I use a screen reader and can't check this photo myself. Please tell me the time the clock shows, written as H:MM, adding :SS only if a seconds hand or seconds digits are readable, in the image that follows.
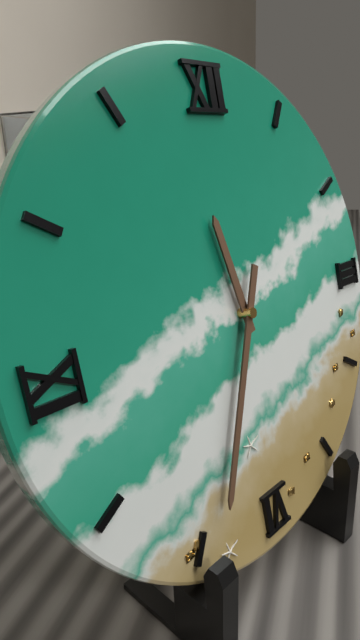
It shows 11:34
